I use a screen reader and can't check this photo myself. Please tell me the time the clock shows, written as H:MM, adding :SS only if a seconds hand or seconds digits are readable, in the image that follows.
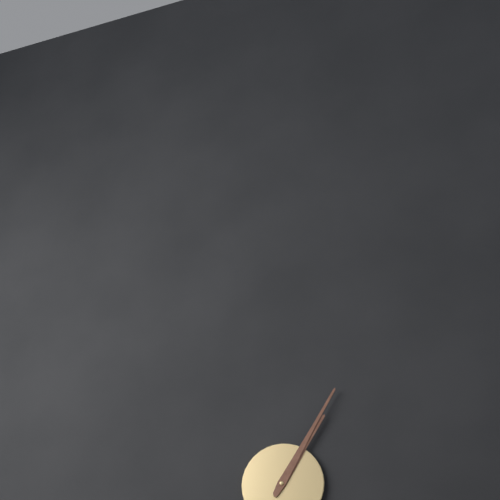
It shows 1:05
